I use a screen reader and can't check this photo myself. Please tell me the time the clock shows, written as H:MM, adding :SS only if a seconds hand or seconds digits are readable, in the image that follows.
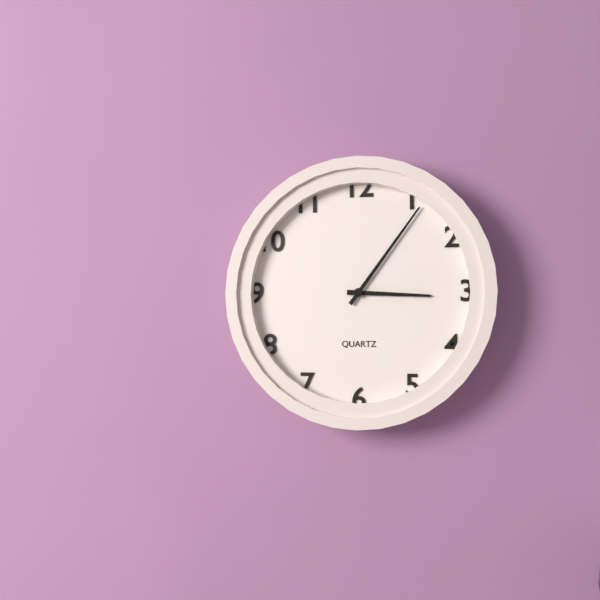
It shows 3:06
